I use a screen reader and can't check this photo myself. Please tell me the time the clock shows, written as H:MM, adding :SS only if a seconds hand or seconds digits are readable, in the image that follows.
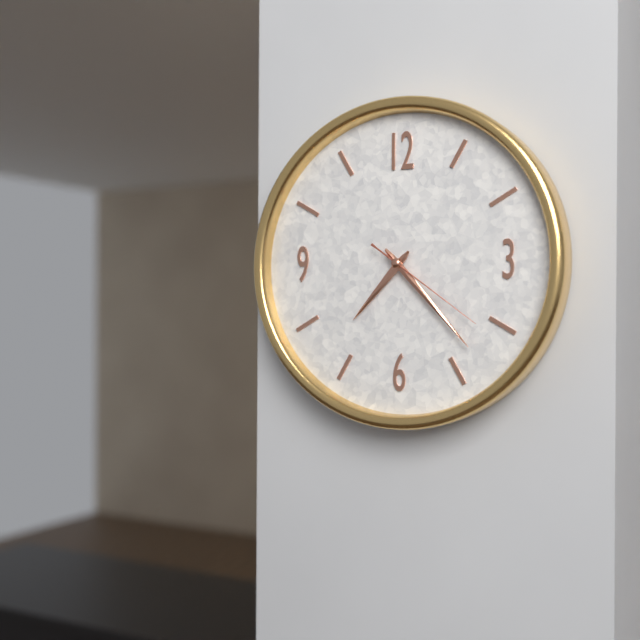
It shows 7:23:21
